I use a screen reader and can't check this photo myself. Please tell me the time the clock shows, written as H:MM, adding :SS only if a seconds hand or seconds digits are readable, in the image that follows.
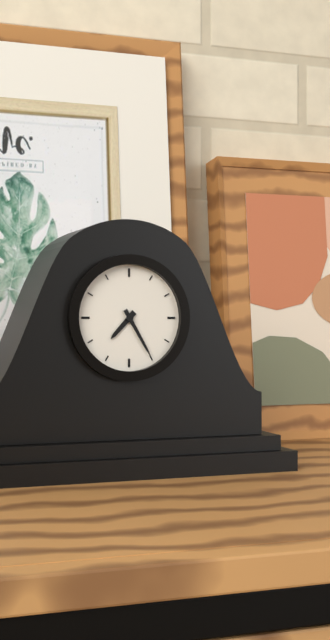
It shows 7:25
